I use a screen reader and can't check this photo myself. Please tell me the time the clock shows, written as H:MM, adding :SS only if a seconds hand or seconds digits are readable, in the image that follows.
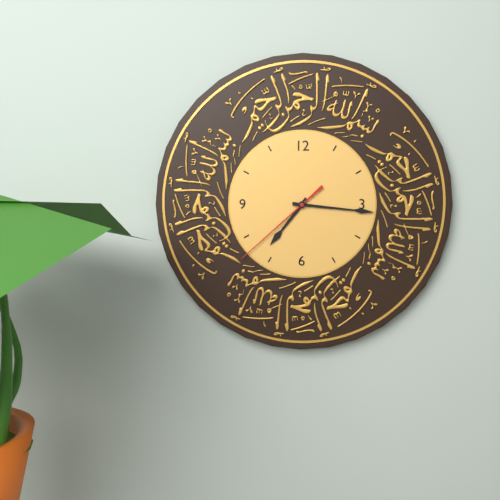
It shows 7:16:38
